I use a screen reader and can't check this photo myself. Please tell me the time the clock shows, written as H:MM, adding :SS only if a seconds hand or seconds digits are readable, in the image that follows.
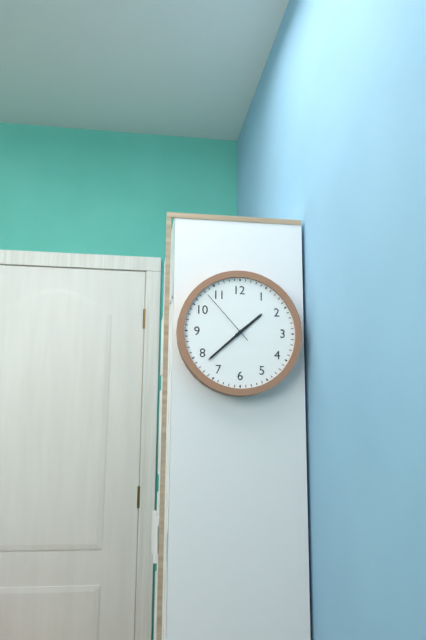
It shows 1:38:53
